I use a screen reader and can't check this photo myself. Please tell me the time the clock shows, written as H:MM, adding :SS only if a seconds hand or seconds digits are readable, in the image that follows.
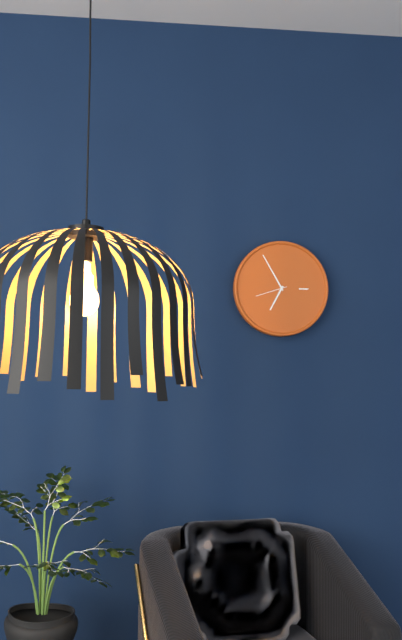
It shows 6:55
